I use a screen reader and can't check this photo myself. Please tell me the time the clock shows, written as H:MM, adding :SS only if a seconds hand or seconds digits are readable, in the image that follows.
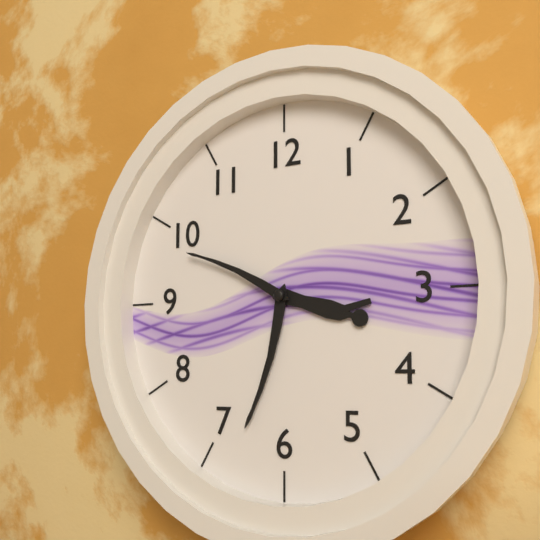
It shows 3:33:49
